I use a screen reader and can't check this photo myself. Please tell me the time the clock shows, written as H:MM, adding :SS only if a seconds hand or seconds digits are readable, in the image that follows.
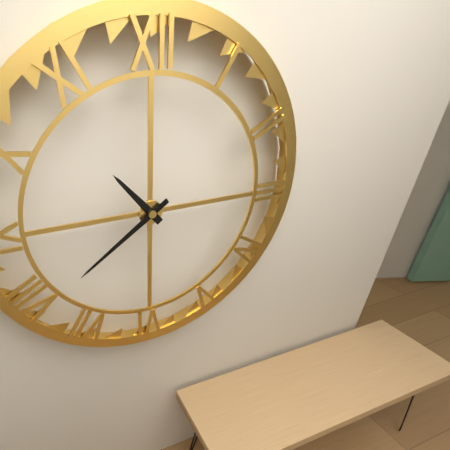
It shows 10:39
